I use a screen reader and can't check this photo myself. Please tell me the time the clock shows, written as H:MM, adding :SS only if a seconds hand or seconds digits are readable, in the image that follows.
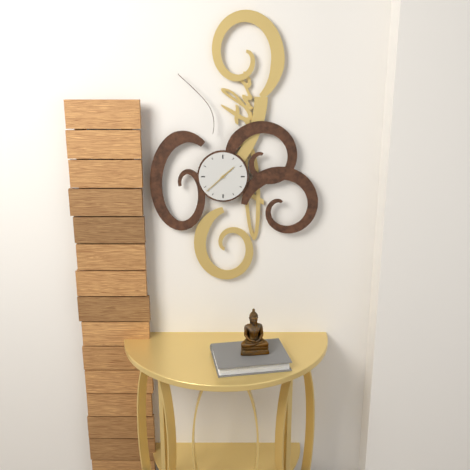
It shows 1:38
